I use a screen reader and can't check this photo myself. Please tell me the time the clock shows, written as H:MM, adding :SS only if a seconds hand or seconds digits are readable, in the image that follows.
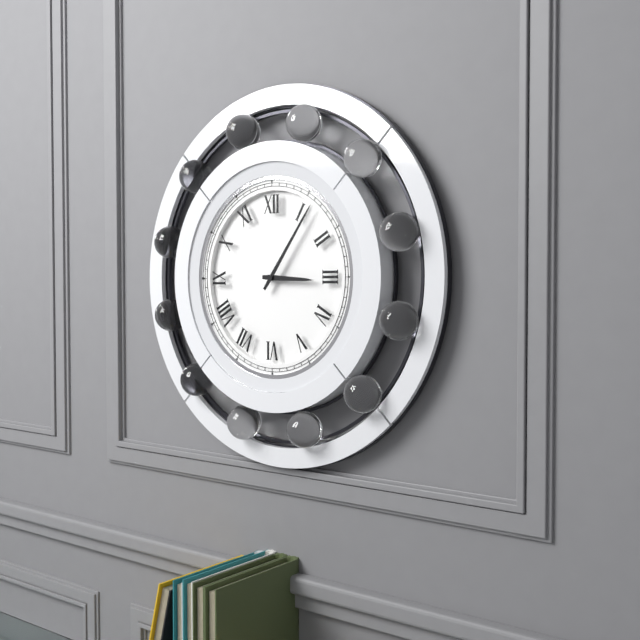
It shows 3:06
